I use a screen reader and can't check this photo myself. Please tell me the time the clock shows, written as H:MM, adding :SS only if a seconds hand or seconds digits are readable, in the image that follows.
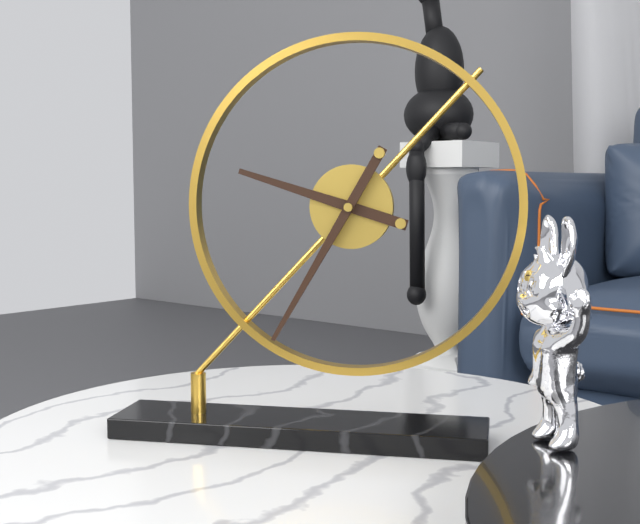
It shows 9:35
